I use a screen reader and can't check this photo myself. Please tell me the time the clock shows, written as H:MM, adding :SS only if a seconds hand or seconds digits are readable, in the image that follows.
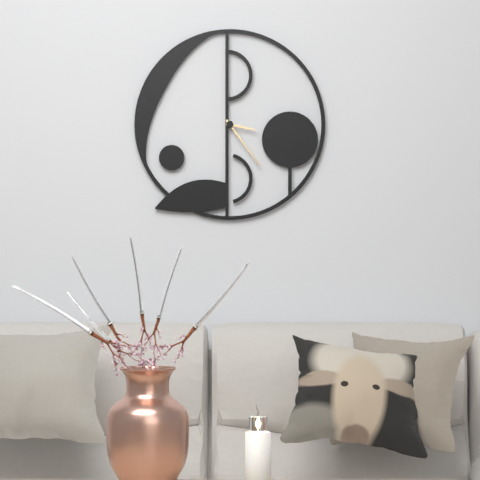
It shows 3:24
